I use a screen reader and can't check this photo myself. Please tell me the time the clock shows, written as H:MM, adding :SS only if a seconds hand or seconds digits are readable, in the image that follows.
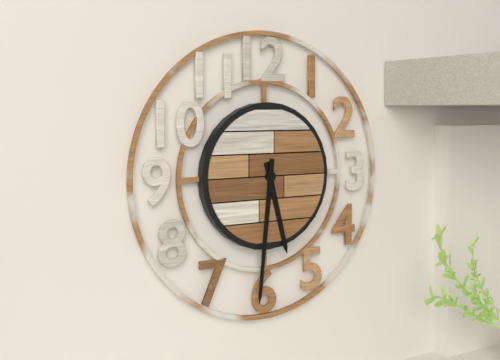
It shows 5:31
